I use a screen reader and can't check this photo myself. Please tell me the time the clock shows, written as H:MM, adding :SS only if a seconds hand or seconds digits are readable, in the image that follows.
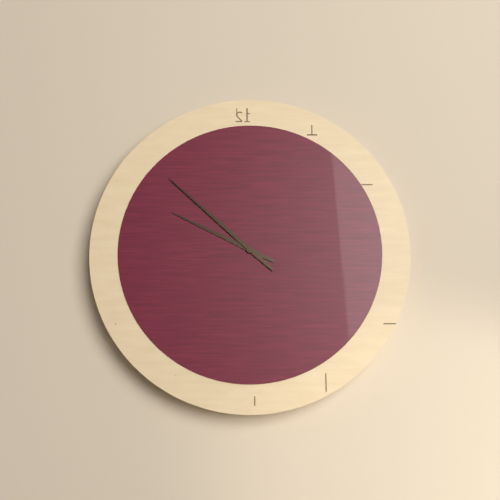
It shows 9:52
